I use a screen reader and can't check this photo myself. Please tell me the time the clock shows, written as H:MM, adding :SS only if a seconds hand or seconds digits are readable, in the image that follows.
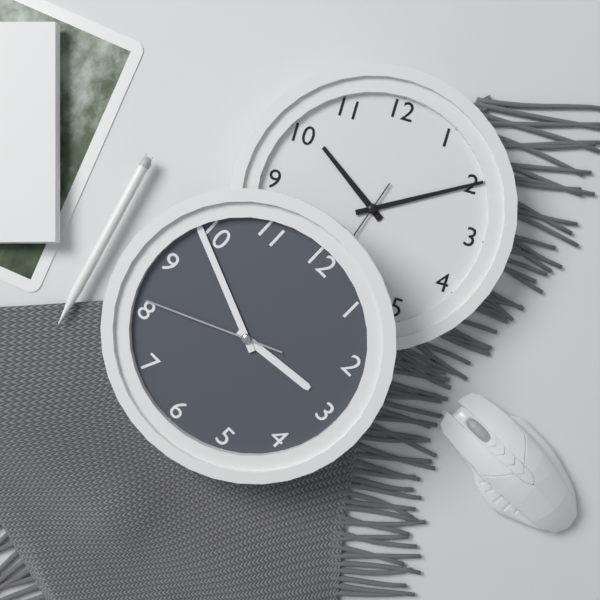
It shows 2:49:41
